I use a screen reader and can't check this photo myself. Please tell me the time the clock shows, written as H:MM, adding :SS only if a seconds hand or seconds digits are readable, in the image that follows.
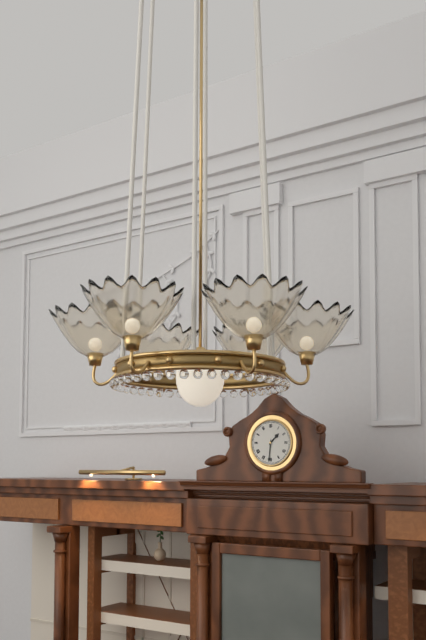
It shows 1:31
